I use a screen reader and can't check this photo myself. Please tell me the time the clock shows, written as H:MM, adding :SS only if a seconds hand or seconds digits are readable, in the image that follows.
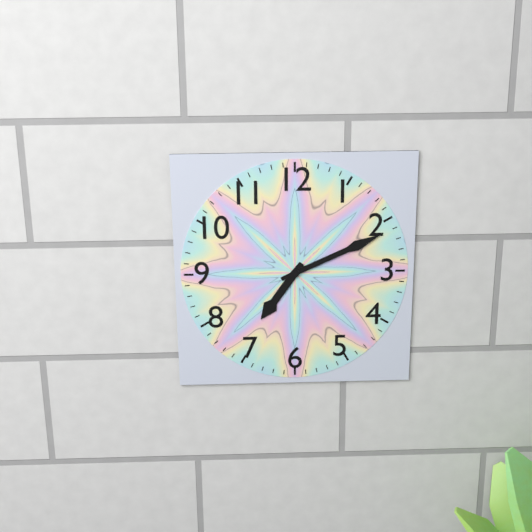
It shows 7:11
